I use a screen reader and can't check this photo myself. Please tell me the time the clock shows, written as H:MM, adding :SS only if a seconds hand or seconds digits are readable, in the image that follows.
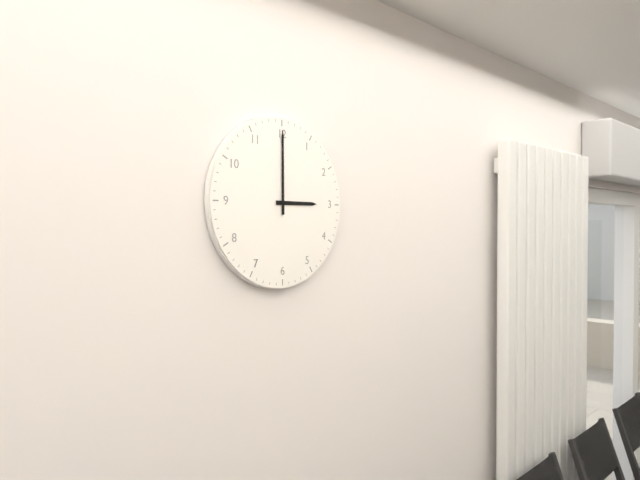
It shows 3:00
